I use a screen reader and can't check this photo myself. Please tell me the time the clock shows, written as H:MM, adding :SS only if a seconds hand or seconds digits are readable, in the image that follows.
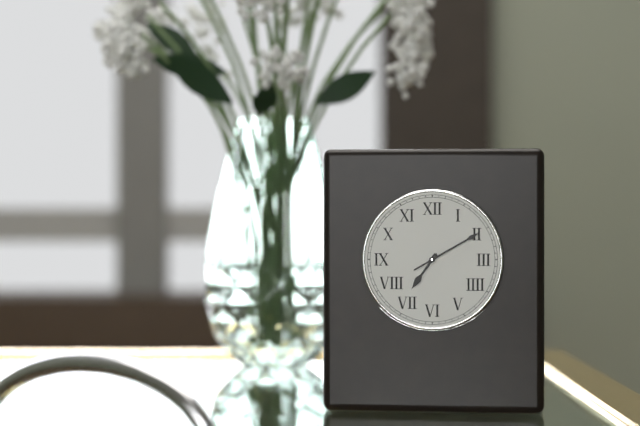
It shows 7:10
